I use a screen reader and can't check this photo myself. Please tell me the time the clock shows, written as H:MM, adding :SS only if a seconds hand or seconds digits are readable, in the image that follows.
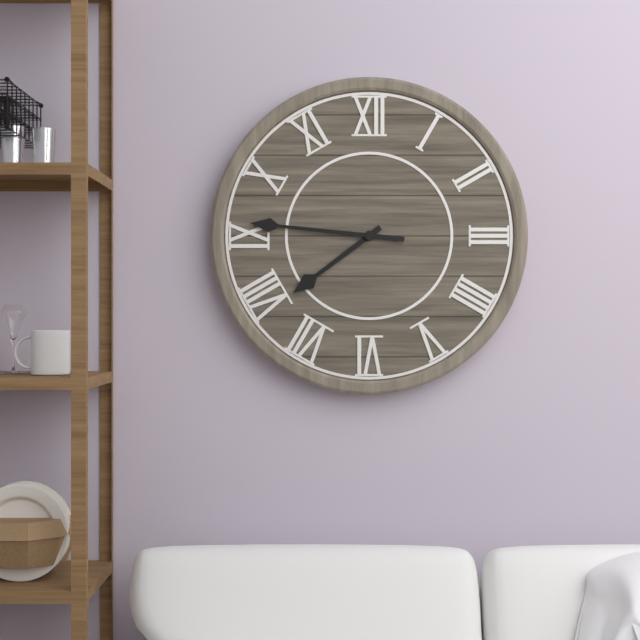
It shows 7:46
